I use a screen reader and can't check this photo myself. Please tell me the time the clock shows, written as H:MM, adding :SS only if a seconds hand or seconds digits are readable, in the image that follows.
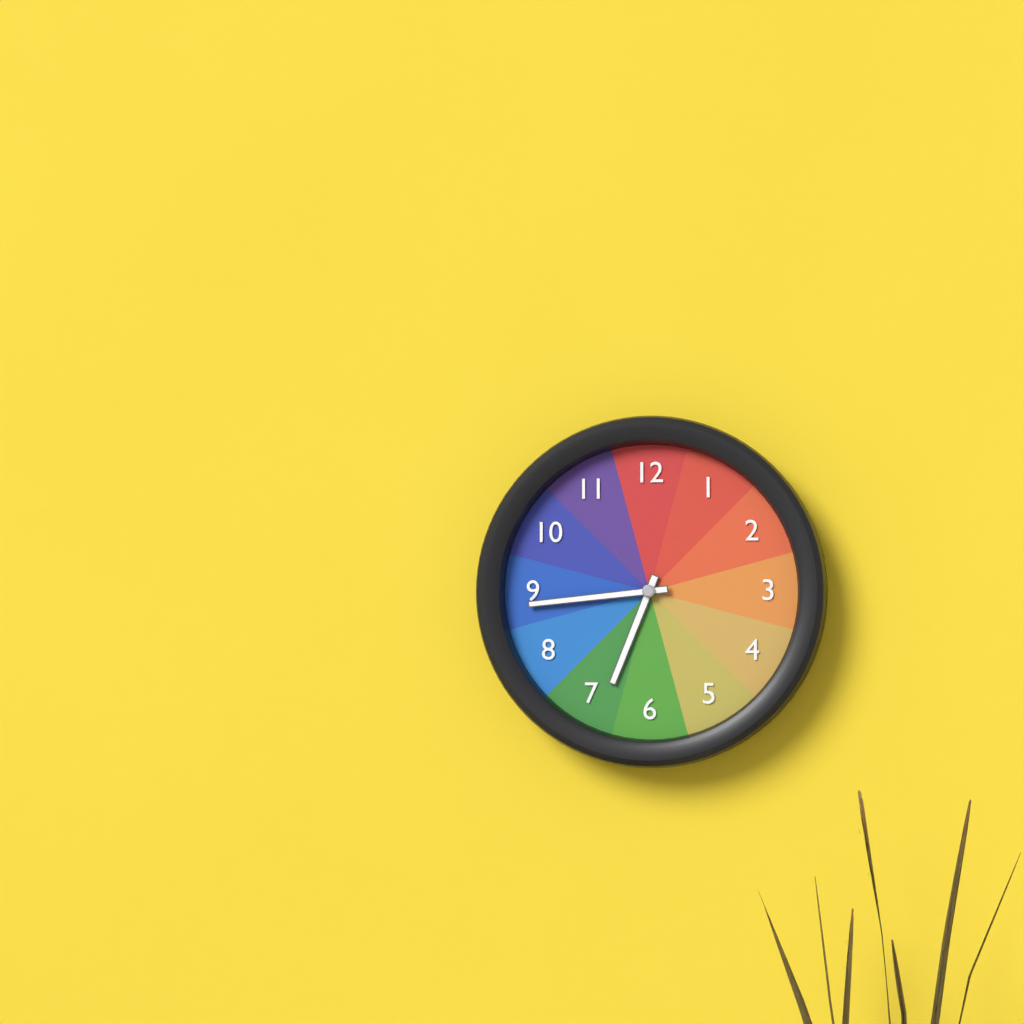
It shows 6:44
